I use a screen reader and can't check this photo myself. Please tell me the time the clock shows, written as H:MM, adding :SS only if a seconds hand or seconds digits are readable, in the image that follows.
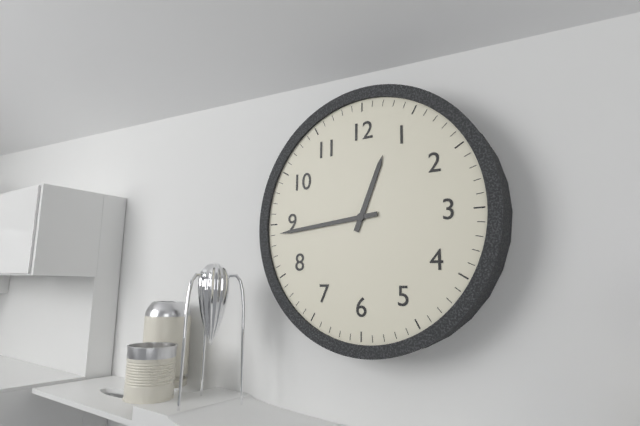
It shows 12:44
